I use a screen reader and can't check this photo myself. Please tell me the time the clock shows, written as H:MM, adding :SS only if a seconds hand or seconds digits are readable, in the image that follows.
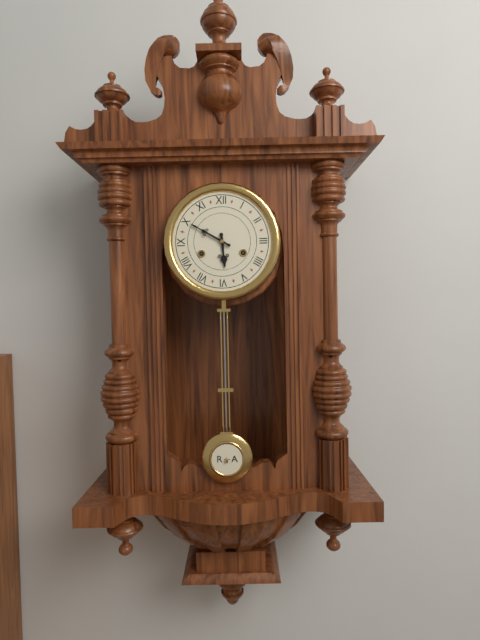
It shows 5:50
